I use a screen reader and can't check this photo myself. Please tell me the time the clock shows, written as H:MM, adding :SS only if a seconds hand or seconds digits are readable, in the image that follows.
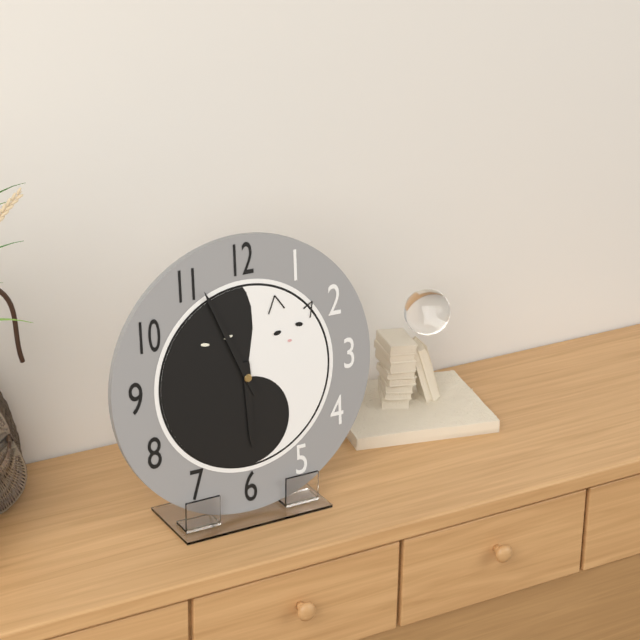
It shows 5:56
